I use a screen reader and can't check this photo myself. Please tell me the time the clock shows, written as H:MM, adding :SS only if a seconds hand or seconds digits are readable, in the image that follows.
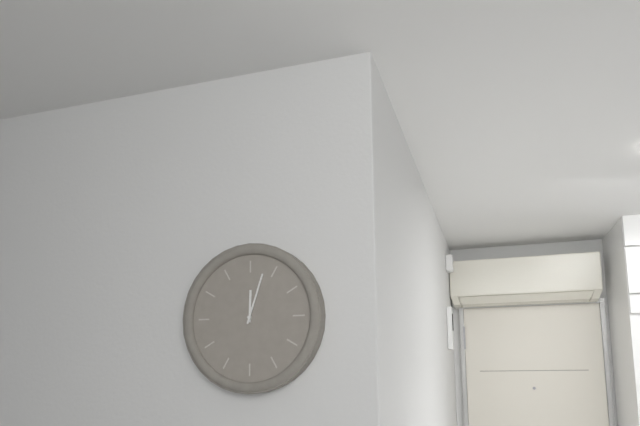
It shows 12:03
